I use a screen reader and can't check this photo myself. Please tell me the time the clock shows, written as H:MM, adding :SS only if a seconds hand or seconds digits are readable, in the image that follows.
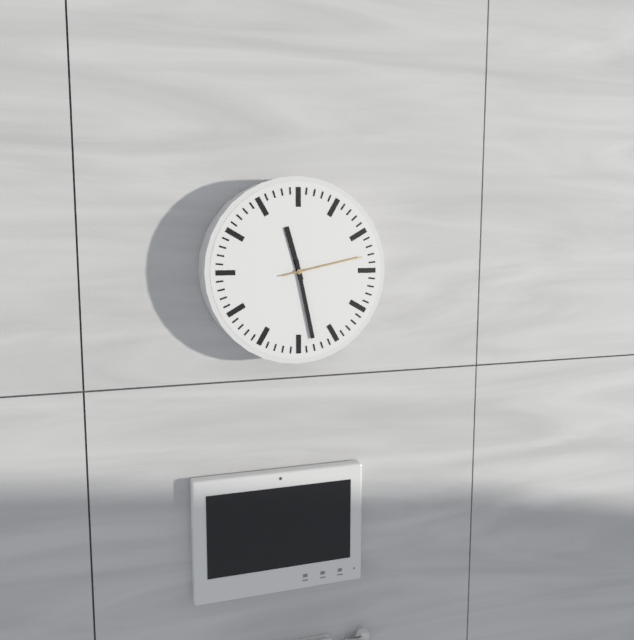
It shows 11:28:13
